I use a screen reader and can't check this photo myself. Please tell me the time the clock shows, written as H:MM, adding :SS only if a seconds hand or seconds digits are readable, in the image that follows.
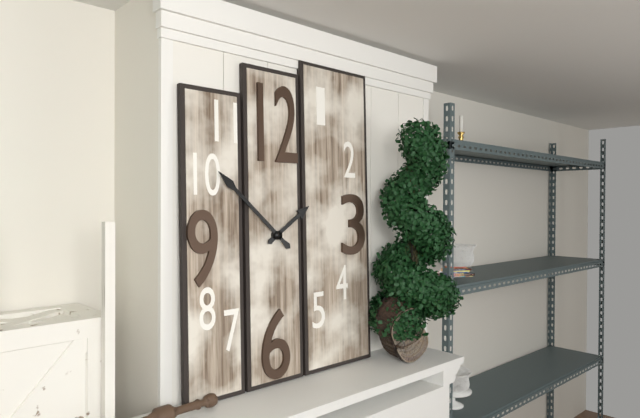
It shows 1:52
